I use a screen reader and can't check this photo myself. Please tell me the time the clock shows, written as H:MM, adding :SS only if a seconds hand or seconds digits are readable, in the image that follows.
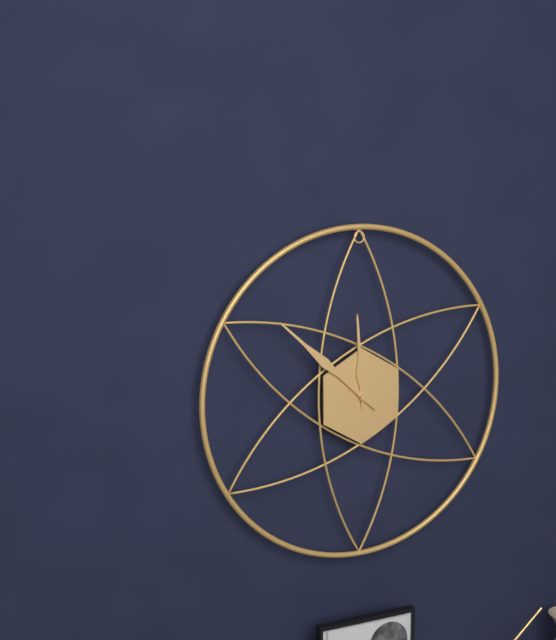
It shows 11:52
